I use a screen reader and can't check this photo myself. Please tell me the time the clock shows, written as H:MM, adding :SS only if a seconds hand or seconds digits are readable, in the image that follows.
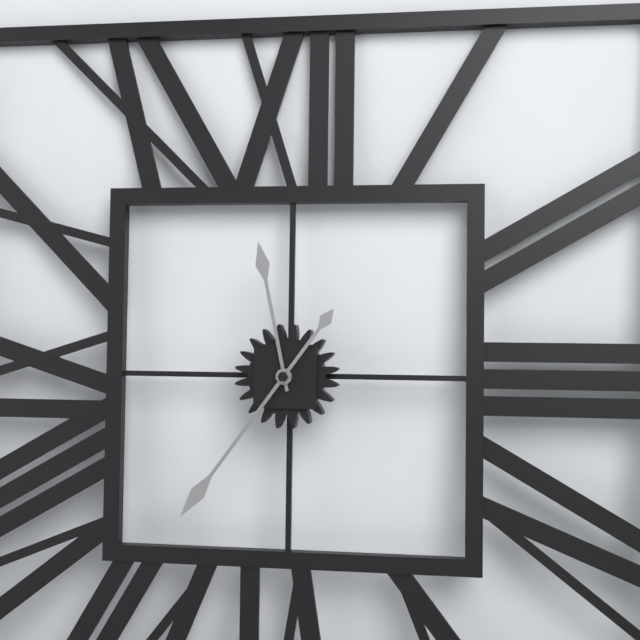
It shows 11:36
